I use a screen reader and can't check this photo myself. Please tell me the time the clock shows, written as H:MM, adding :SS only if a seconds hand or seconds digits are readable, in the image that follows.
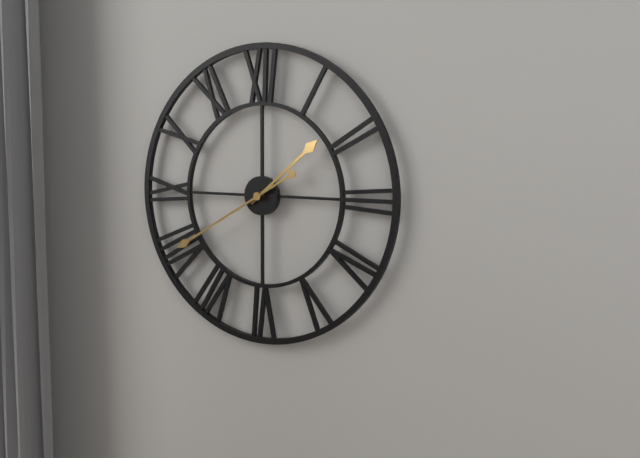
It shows 1:40
